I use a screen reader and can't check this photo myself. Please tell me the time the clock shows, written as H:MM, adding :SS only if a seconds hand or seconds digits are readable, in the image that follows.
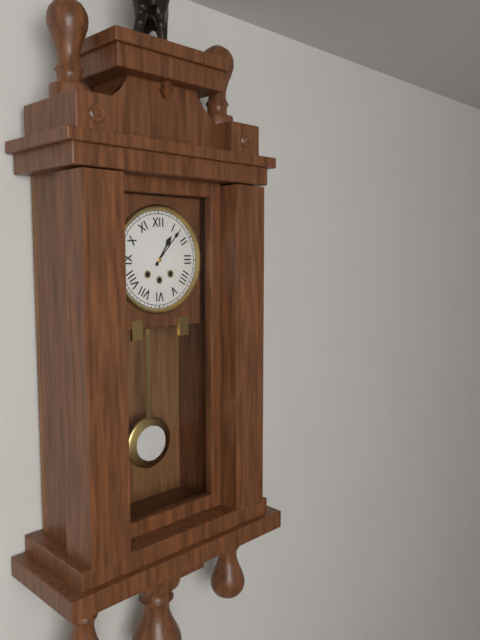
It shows 1:07
